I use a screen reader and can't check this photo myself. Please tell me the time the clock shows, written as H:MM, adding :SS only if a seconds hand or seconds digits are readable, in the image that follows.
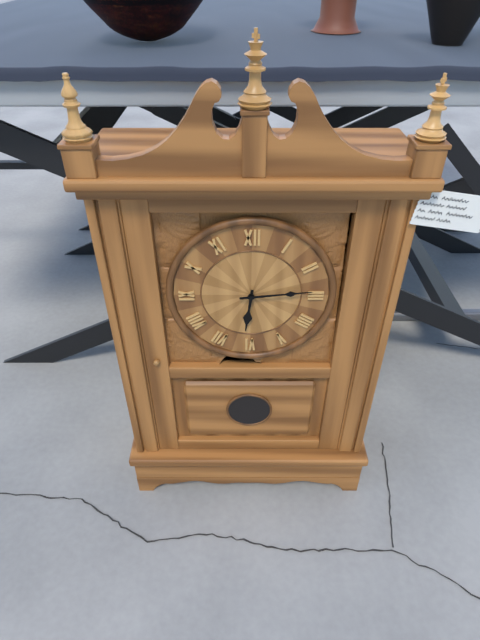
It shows 6:14
